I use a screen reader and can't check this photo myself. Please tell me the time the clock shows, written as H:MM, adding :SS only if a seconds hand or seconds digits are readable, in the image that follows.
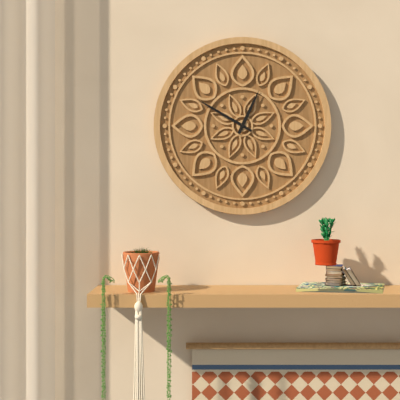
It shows 12:50
